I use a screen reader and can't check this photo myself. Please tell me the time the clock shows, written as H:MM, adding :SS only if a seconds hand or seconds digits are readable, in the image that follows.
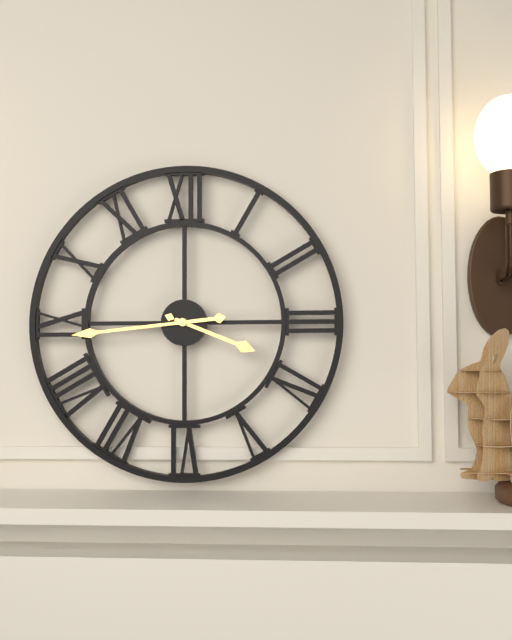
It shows 3:44
